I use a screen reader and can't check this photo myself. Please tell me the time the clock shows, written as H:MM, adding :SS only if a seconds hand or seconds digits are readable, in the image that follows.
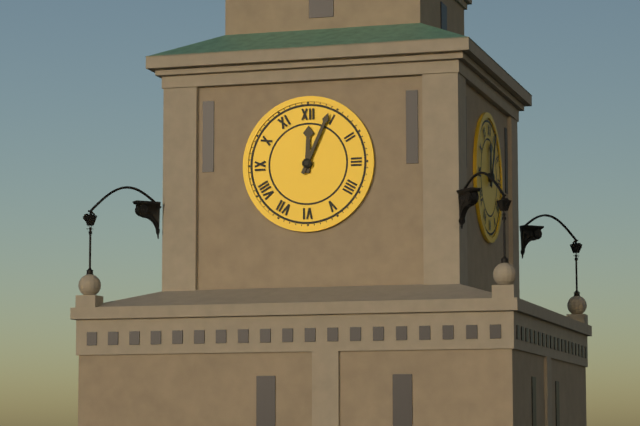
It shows 12:04
